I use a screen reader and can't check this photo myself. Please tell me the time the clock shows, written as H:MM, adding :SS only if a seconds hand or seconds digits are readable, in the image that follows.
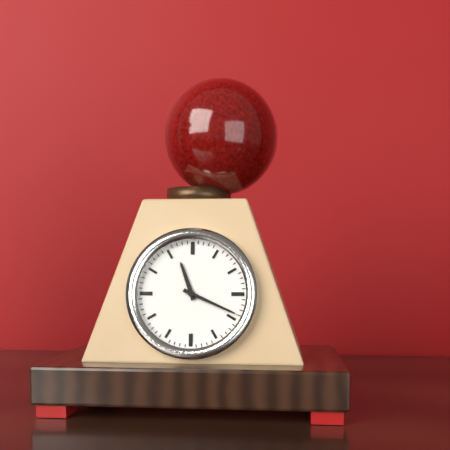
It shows 11:19
